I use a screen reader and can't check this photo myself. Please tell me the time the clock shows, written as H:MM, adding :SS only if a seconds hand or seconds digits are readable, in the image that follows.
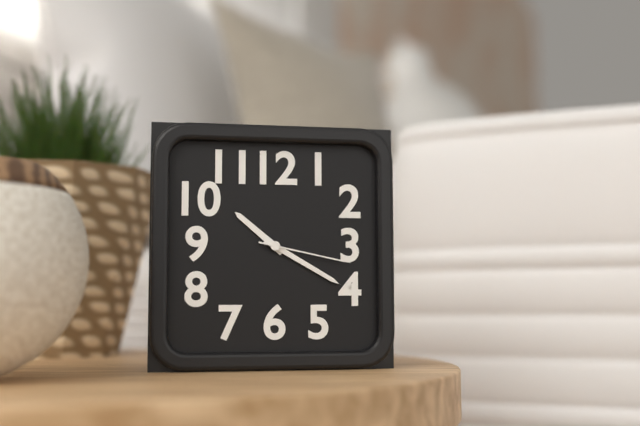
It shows 10:20:17
